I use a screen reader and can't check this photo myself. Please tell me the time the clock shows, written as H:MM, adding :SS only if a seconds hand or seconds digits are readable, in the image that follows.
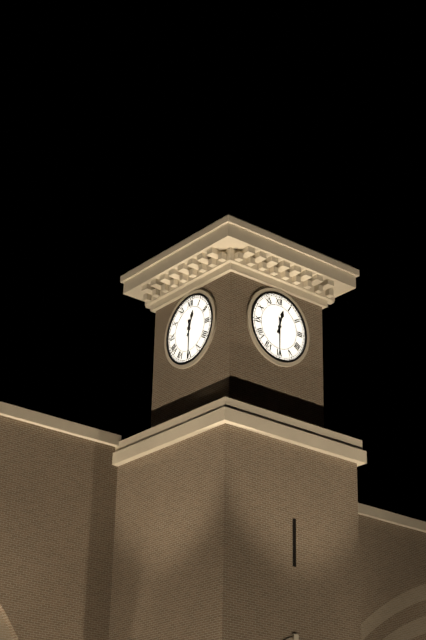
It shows 12:30
